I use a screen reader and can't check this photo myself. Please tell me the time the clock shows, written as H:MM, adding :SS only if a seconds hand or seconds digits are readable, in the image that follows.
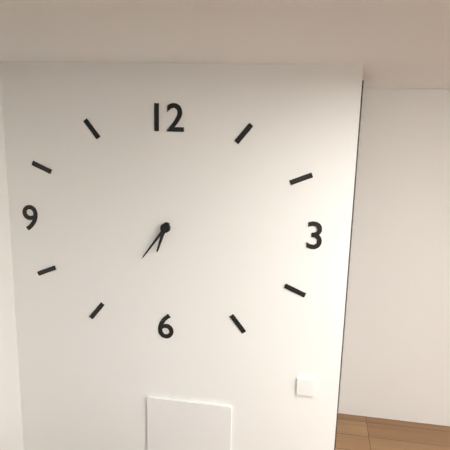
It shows 6:36
